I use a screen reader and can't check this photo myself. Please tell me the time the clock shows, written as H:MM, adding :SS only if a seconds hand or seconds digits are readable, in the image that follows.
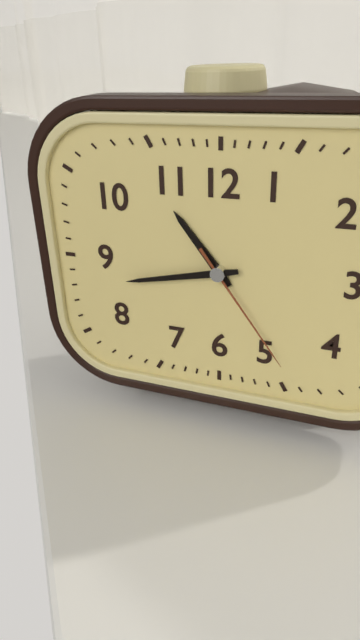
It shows 10:43:24
